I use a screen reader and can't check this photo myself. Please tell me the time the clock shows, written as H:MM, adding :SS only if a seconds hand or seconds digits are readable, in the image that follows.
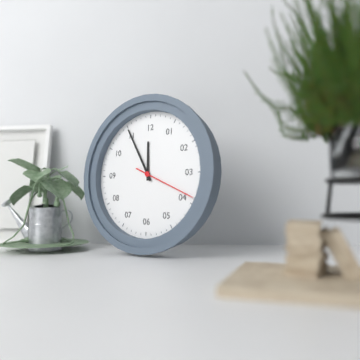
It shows 11:55:19
